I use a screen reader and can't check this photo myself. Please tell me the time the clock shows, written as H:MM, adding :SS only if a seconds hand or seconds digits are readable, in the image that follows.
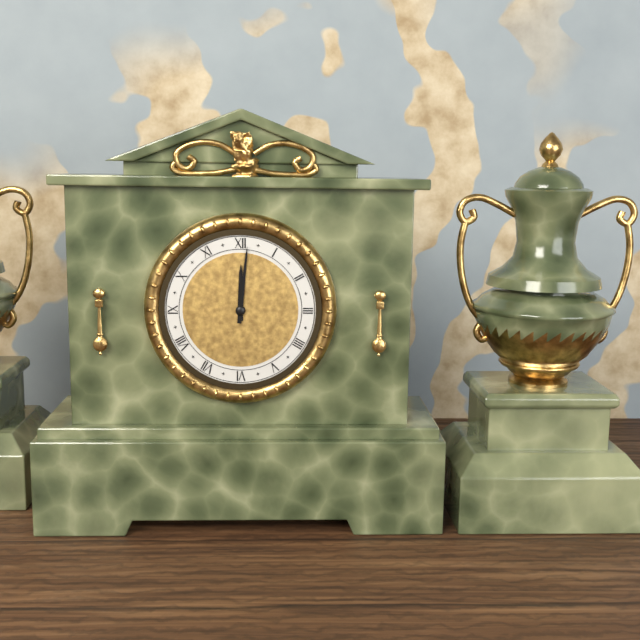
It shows 12:01
